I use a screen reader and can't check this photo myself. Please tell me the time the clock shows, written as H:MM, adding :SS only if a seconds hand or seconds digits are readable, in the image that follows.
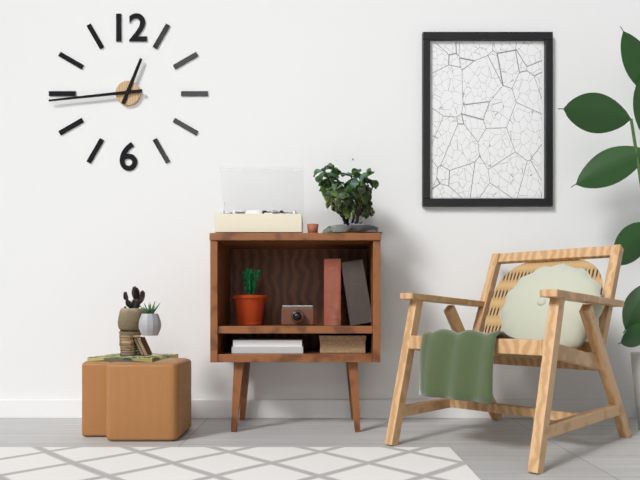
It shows 12:44
